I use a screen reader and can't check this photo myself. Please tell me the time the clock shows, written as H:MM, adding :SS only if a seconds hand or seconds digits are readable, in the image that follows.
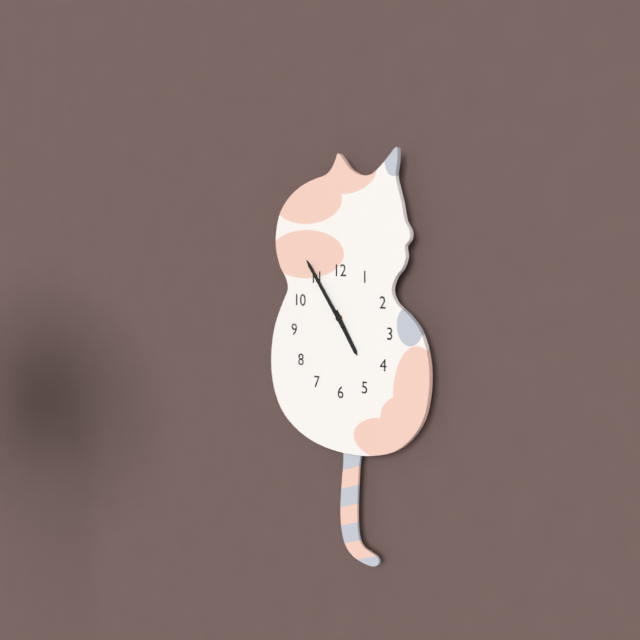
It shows 4:54
